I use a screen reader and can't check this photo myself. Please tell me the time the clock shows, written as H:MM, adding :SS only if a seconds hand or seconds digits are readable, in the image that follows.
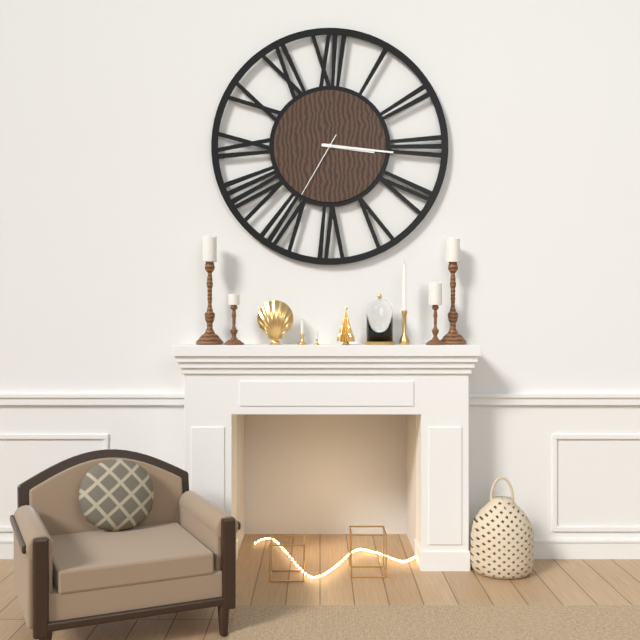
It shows 3:16:35
